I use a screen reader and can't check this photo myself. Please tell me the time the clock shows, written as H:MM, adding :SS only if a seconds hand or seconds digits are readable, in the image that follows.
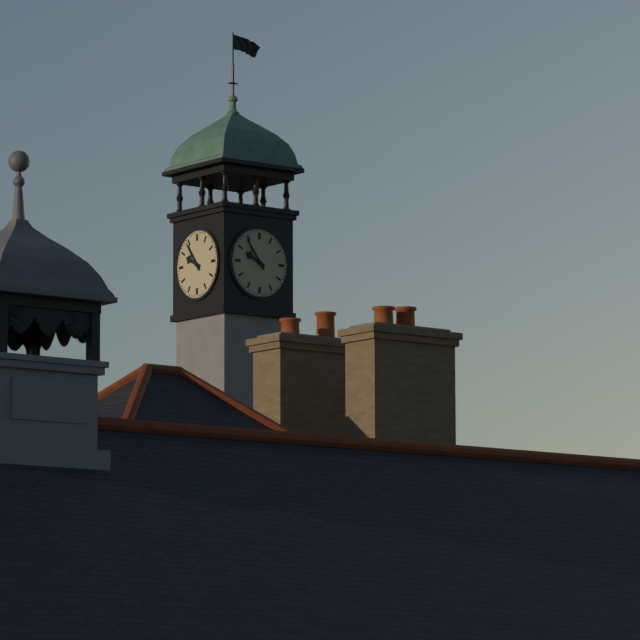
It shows 9:54
